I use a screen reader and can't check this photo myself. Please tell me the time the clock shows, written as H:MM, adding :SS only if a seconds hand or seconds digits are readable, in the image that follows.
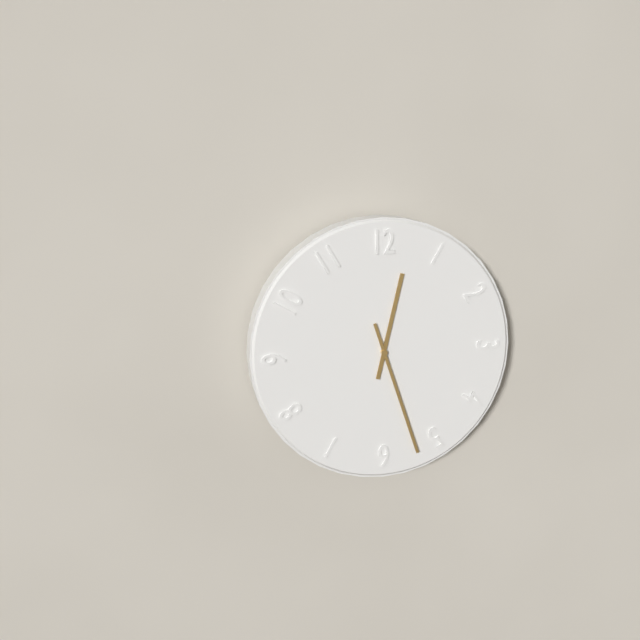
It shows 12:27
